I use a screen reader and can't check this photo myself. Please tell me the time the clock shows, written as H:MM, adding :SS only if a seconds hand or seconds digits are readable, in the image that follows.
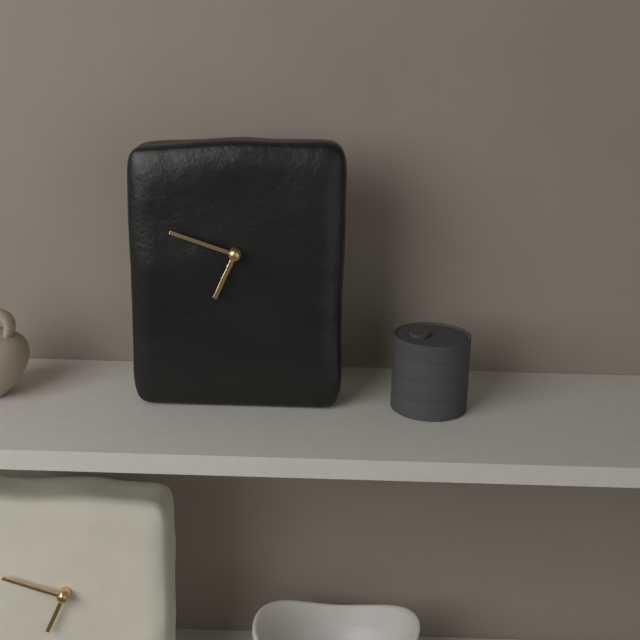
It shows 6:48
